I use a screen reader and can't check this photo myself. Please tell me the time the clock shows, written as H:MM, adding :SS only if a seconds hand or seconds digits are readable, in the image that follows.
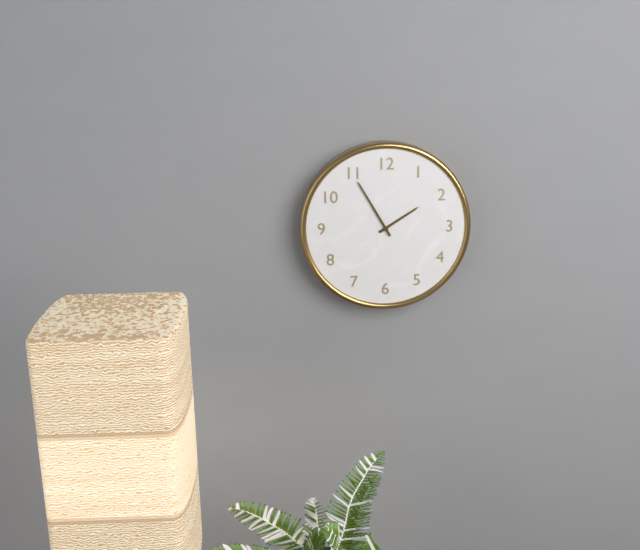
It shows 1:55
